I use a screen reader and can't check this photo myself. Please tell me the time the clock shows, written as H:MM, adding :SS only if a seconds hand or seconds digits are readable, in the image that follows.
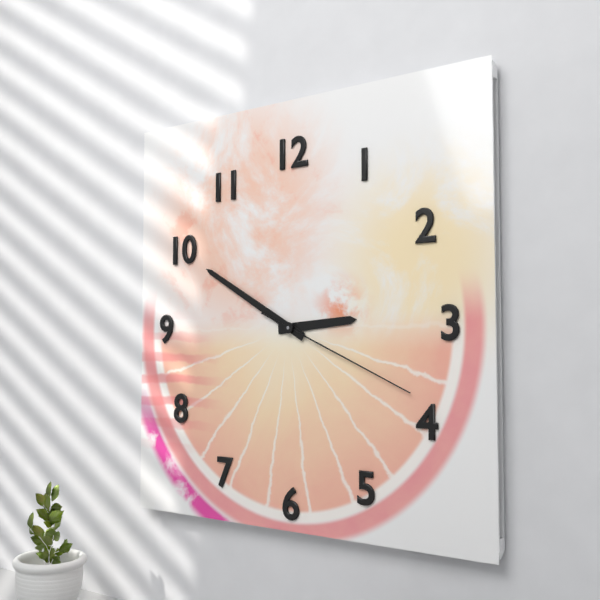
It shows 2:50:19
